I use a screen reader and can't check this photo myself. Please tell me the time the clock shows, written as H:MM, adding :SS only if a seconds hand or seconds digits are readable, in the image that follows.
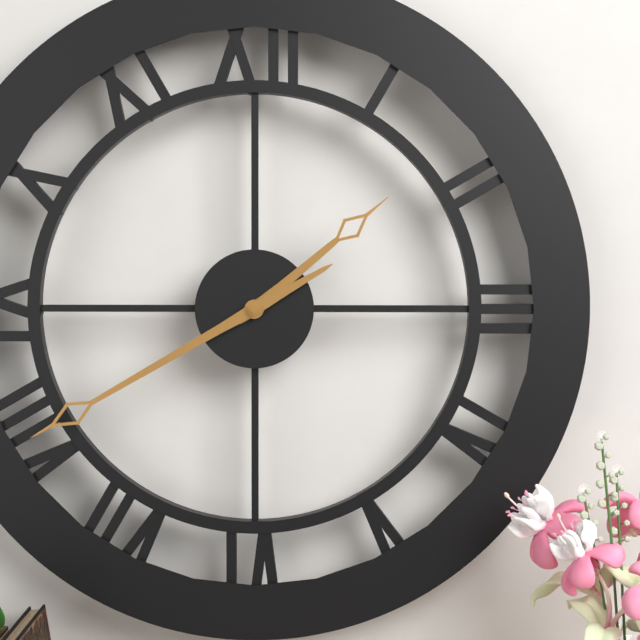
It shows 1:40
